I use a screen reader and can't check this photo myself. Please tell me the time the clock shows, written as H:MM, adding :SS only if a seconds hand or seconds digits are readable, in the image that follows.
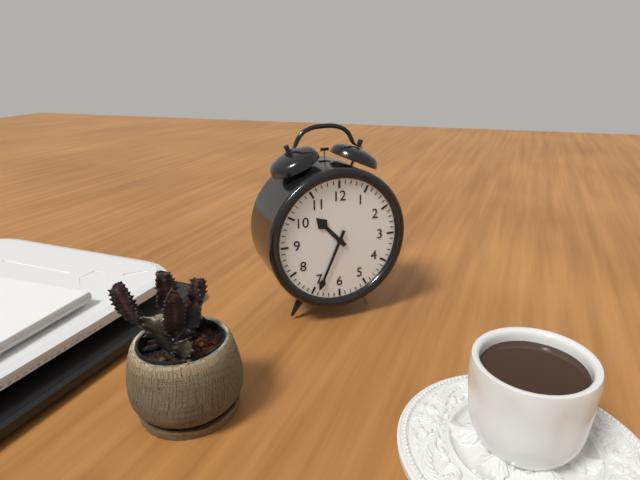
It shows 10:34
